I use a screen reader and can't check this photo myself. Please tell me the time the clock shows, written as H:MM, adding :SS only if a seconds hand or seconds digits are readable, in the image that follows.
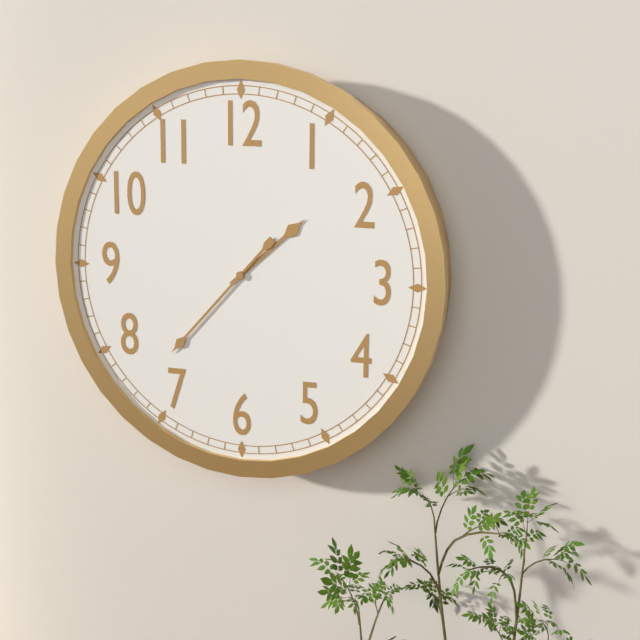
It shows 1:37
